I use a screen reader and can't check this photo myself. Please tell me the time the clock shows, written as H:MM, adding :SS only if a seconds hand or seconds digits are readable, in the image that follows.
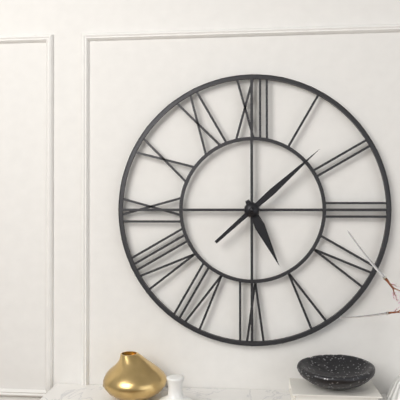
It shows 5:08
